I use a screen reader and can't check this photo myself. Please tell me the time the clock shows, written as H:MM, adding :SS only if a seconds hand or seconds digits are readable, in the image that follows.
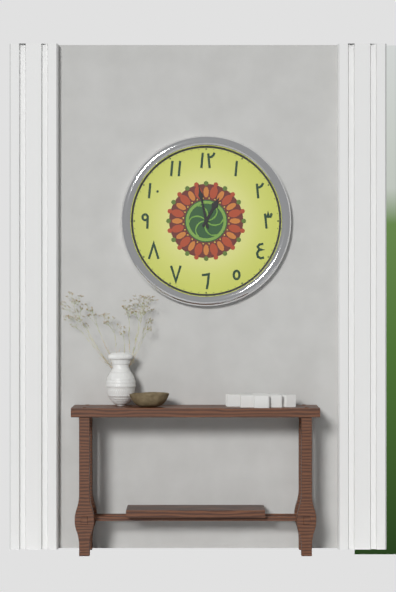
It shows 12:58
